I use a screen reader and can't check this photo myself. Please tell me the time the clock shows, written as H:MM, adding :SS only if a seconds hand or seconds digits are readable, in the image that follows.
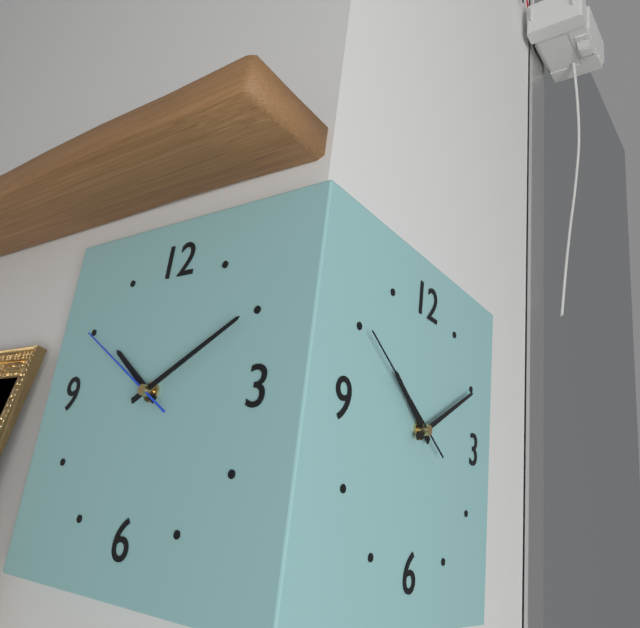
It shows 10:10:50
